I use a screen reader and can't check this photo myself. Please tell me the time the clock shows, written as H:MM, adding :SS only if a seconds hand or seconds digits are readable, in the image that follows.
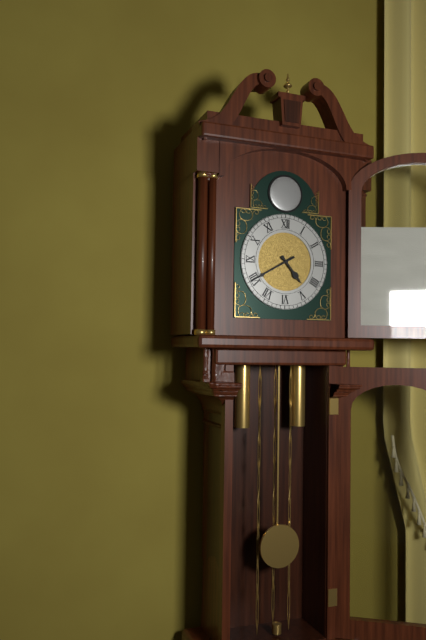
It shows 4:40
